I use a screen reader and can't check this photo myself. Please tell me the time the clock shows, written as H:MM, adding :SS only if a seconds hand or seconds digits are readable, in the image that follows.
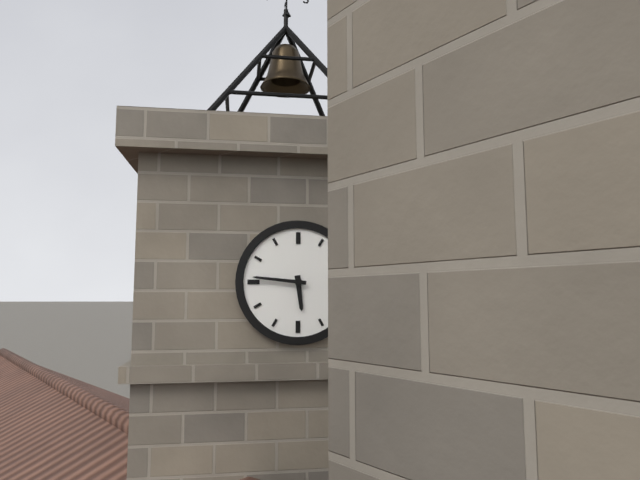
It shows 5:46
